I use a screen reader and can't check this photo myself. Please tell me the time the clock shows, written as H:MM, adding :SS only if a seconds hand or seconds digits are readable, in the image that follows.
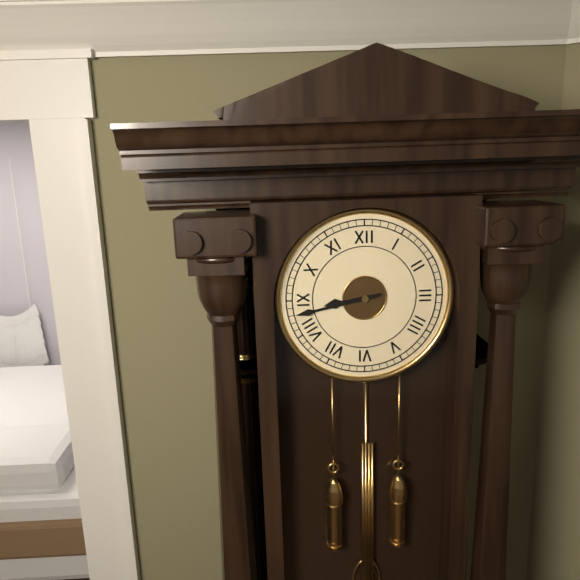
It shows 8:43
